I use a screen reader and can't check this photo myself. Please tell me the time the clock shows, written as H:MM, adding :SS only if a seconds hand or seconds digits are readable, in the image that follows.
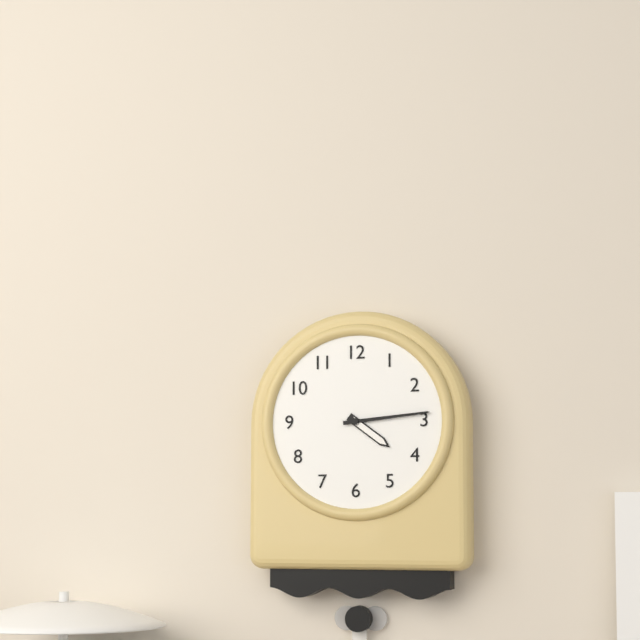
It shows 4:14
